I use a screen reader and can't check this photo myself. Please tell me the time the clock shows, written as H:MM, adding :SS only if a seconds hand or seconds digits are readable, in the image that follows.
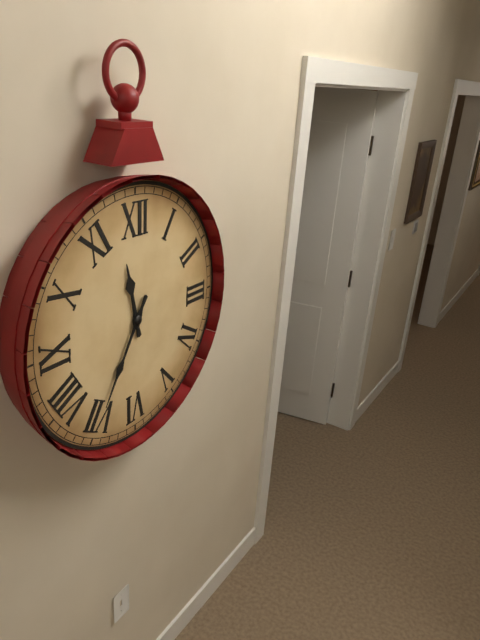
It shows 11:35
